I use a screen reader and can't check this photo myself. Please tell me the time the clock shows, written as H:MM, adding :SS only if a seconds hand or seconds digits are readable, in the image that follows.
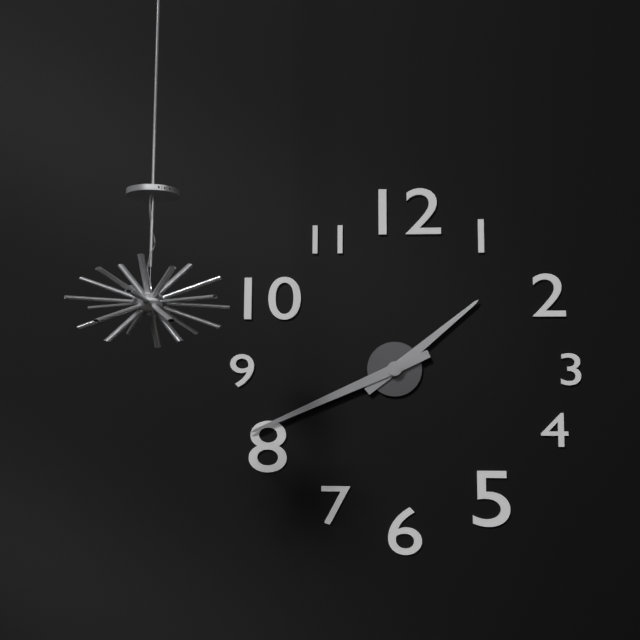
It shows 1:41
